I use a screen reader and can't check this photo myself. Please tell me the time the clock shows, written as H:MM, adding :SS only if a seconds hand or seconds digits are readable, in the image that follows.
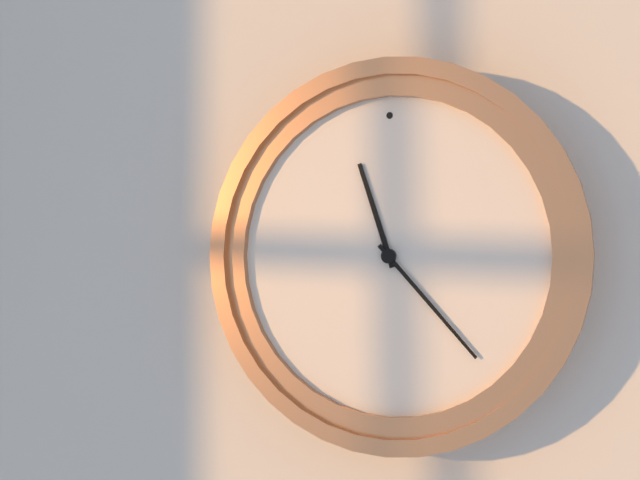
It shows 11:23
